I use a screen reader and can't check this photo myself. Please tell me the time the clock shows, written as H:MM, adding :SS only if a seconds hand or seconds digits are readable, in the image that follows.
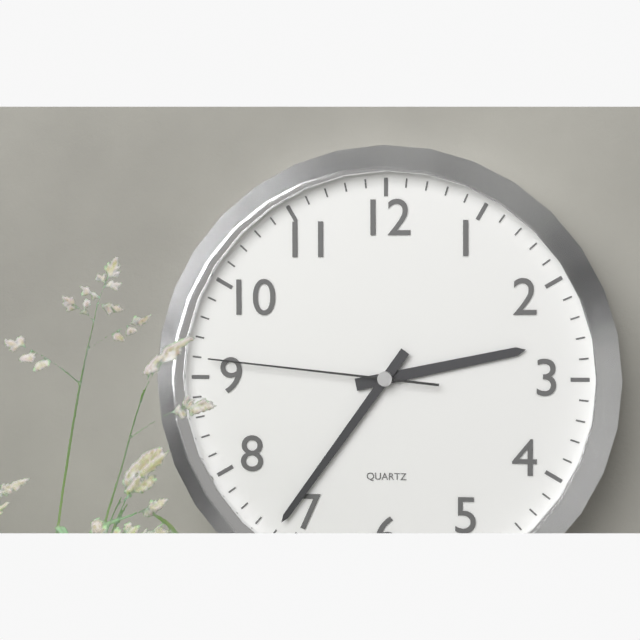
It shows 2:36:46
